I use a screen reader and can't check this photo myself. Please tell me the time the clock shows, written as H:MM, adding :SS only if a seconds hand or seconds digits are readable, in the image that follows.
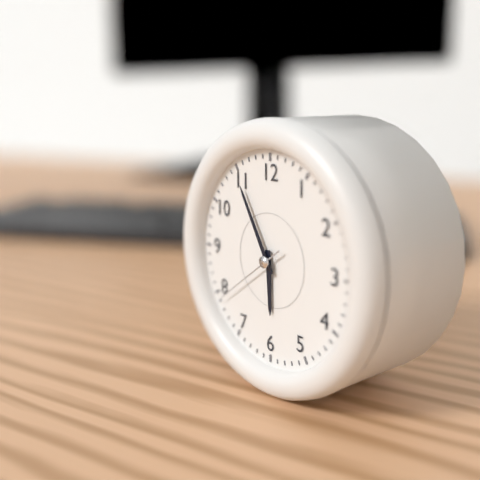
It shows 5:55:39
